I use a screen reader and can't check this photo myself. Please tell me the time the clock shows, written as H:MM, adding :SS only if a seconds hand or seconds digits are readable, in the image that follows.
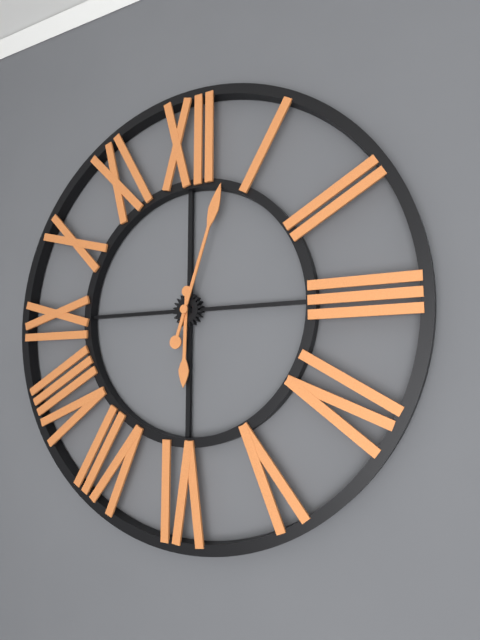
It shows 6:03
